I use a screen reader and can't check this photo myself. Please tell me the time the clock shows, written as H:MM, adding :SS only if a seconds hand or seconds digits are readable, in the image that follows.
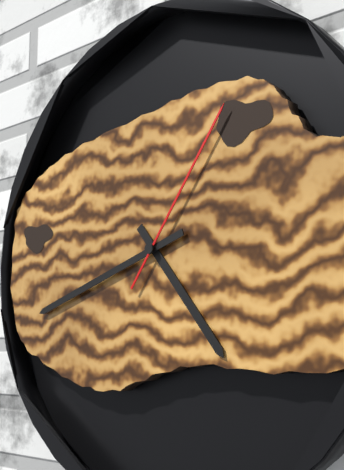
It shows 4:42:06
